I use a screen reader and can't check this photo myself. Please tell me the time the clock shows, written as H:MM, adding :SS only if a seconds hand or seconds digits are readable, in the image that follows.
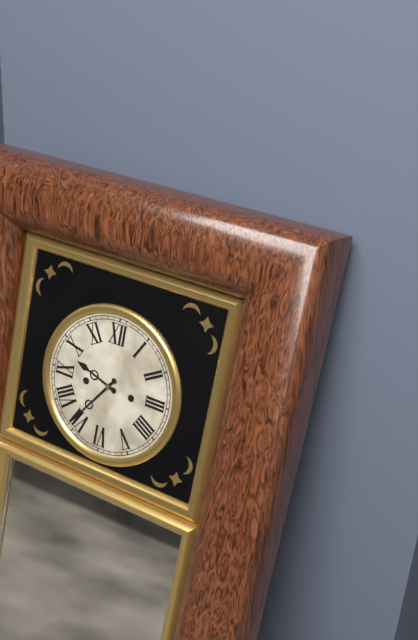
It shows 9:36
